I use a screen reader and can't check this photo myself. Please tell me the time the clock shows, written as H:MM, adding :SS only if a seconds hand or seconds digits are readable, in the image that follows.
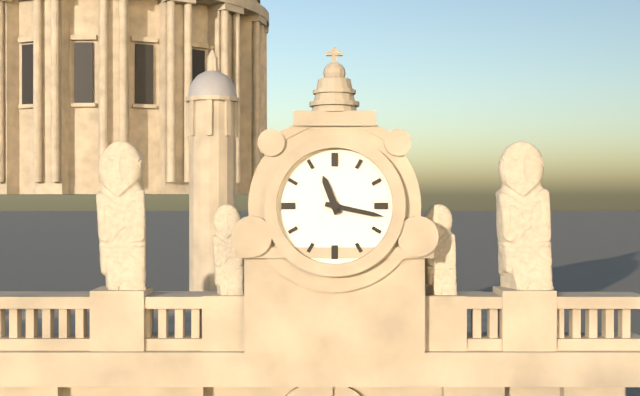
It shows 11:17
